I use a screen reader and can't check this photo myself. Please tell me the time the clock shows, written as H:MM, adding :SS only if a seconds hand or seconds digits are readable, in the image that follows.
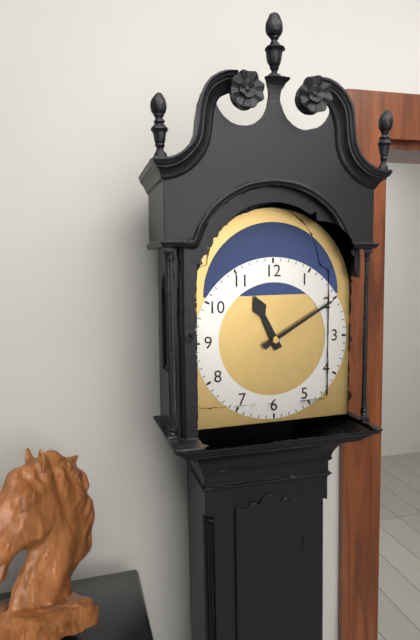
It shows 11:10
